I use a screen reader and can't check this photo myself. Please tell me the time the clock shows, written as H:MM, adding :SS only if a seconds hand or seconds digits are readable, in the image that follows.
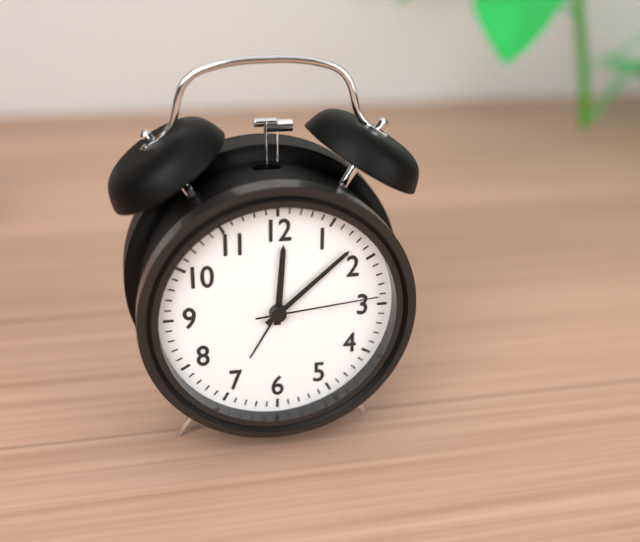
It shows 12:08:14
